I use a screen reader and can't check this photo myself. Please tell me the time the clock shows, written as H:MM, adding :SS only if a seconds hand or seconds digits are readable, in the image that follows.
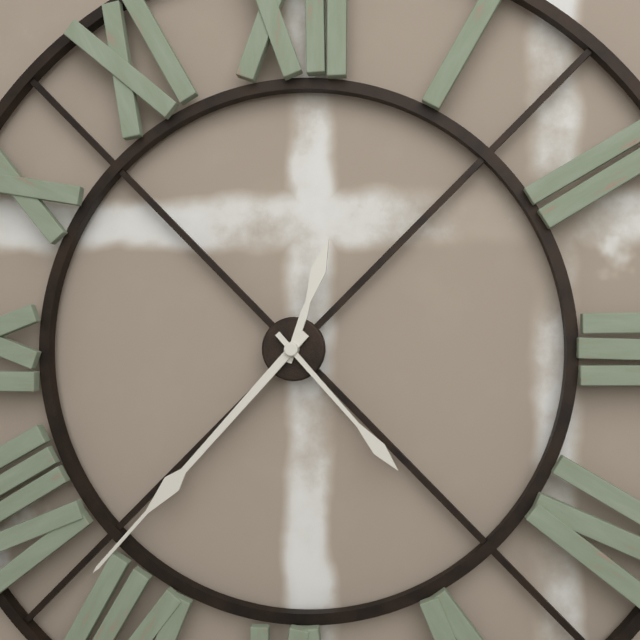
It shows 12:37:23
